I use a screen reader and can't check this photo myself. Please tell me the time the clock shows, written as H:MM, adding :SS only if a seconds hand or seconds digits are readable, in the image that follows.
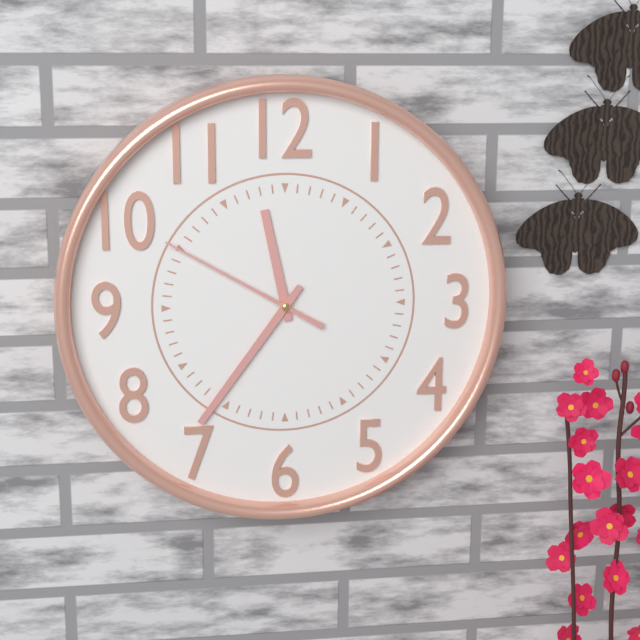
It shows 11:36:50
